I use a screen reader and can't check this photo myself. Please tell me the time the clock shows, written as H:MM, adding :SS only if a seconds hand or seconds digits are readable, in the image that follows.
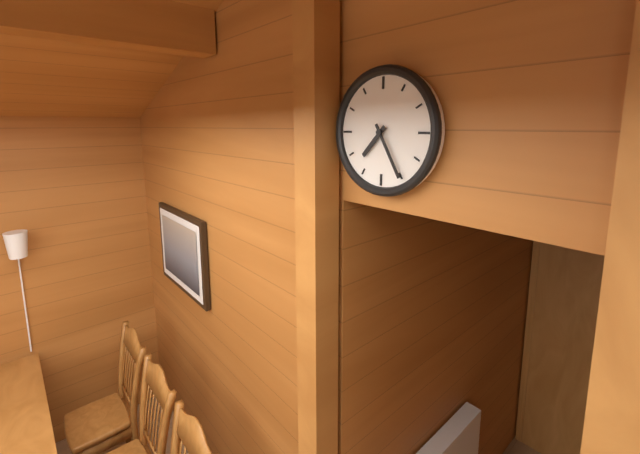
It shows 7:25
